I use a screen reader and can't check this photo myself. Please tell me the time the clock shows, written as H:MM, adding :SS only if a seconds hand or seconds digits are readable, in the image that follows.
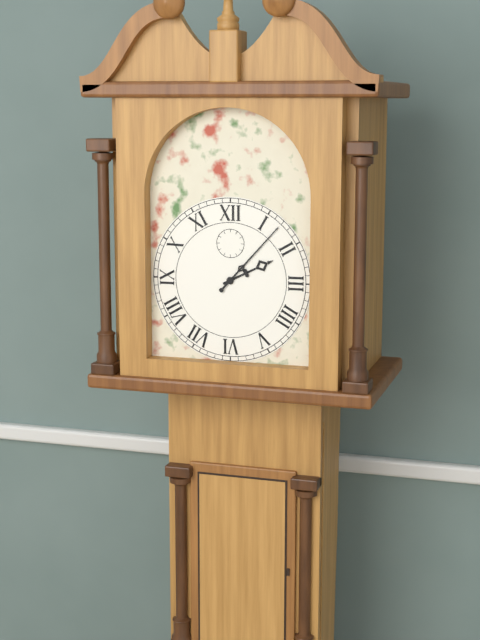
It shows 2:07
